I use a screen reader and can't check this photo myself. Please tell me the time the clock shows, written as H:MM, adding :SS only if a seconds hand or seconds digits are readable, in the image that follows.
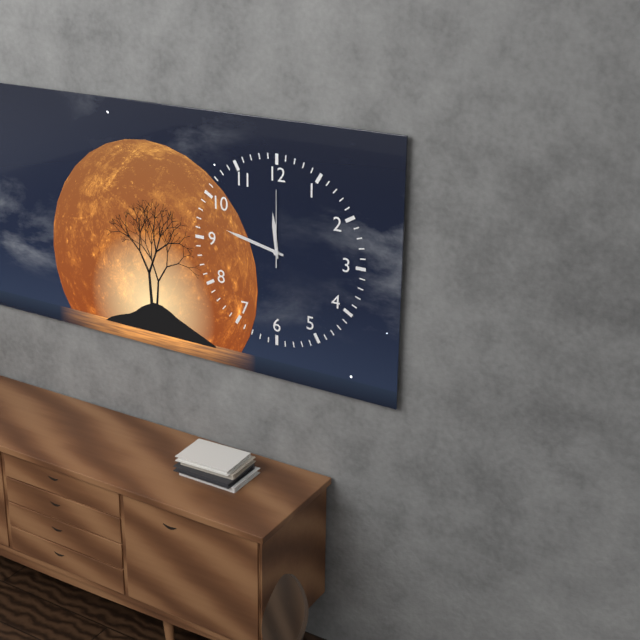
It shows 11:47:00
